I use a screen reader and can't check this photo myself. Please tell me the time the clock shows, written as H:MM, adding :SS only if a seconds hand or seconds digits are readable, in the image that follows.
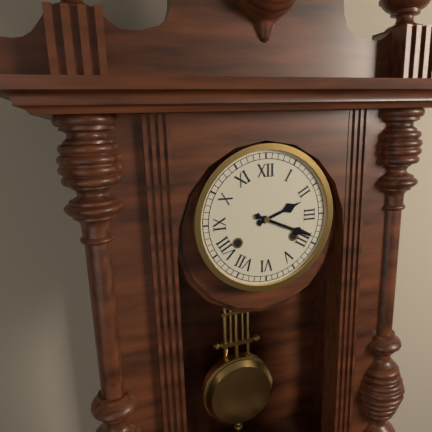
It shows 2:19
